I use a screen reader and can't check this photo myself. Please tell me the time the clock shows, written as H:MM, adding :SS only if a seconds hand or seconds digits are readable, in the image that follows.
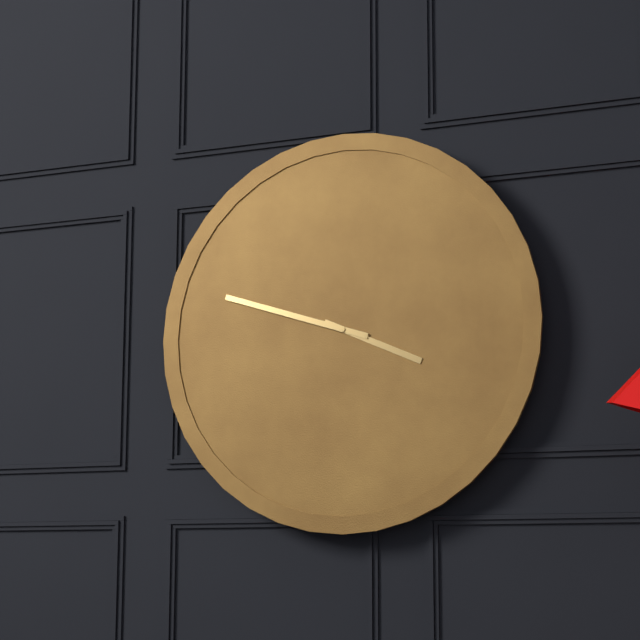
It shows 3:48
